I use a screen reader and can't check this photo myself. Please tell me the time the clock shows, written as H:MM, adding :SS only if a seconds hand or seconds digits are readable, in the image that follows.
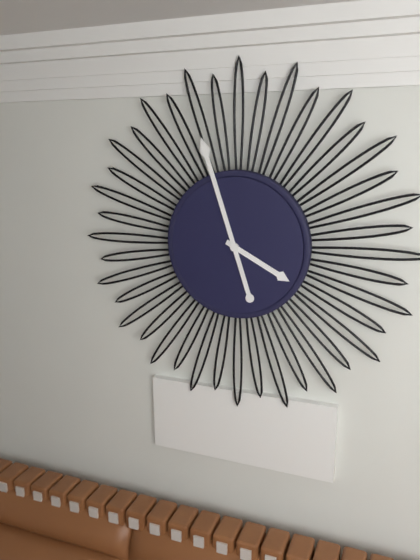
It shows 3:57
